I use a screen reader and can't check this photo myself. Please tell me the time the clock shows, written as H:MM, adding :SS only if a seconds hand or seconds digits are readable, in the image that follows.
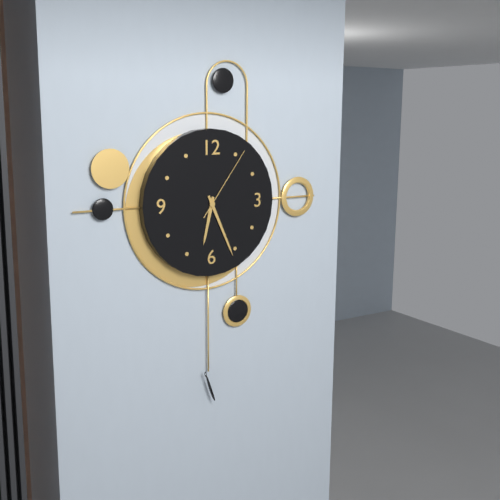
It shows 6:26:06
